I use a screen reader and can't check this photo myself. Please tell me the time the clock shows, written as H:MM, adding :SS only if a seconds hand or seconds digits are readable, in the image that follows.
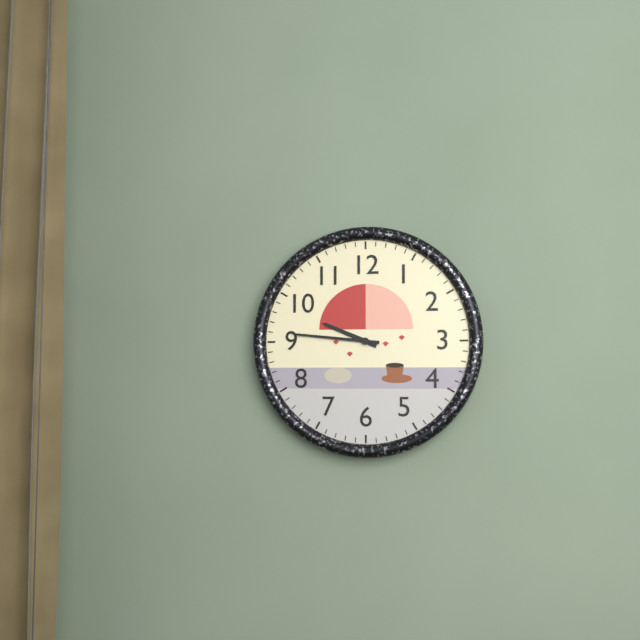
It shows 9:46
